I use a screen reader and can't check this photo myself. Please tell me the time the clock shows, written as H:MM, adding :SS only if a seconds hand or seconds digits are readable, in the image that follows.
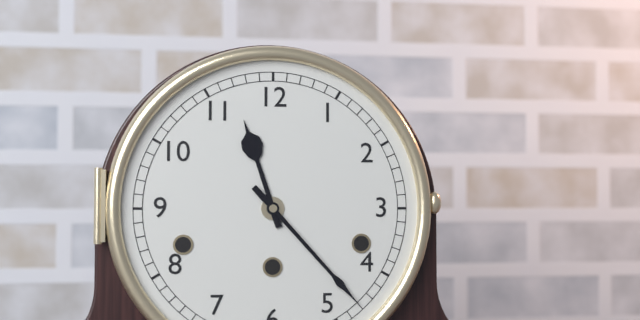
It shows 11:23
